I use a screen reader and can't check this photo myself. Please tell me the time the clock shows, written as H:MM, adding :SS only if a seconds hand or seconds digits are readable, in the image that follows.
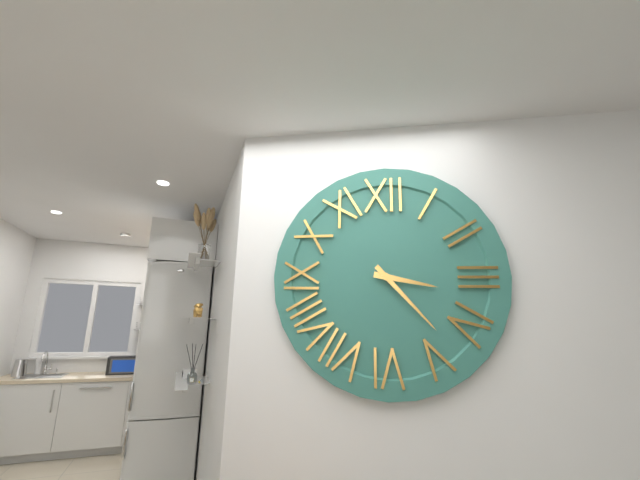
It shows 3:23
